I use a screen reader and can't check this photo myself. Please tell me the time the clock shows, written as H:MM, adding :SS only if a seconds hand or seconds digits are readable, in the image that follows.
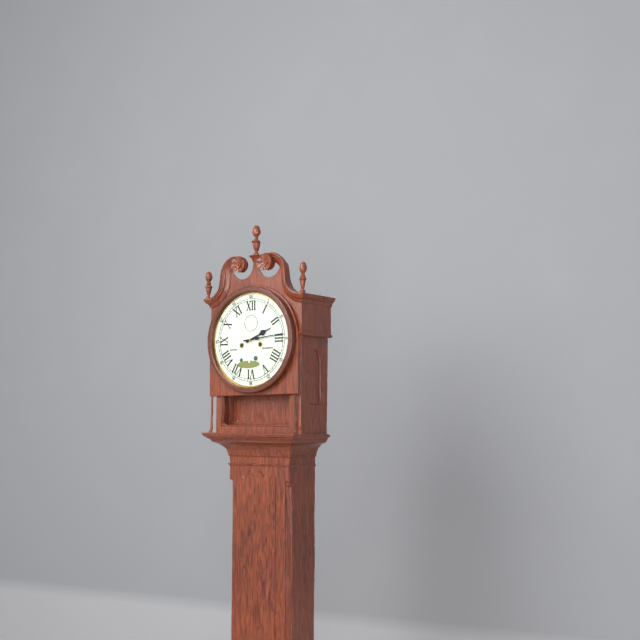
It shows 2:14
